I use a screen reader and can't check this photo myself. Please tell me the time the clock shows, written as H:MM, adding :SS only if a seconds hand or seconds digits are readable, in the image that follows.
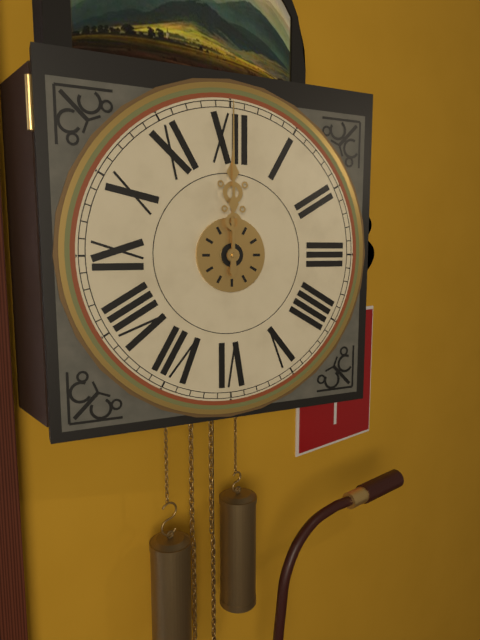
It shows 12:00
